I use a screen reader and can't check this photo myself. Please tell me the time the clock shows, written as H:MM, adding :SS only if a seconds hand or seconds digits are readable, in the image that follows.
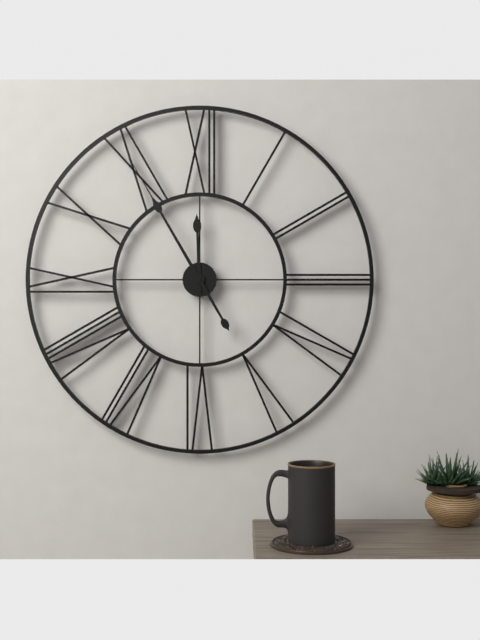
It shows 11:55
